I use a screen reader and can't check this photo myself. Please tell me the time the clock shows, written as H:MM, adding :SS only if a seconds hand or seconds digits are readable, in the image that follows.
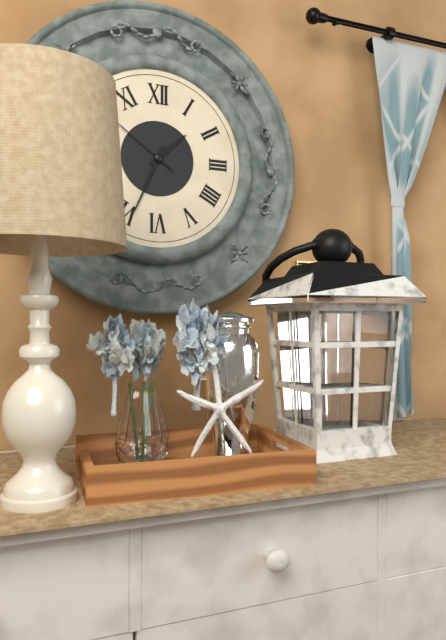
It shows 1:34:51
